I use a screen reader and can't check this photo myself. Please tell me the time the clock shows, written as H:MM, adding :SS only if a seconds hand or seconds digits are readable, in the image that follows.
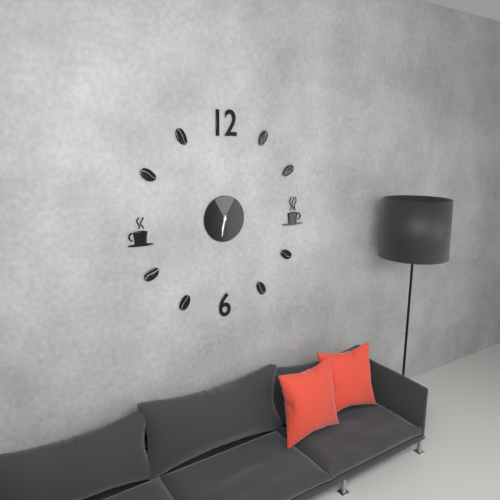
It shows 6:32
